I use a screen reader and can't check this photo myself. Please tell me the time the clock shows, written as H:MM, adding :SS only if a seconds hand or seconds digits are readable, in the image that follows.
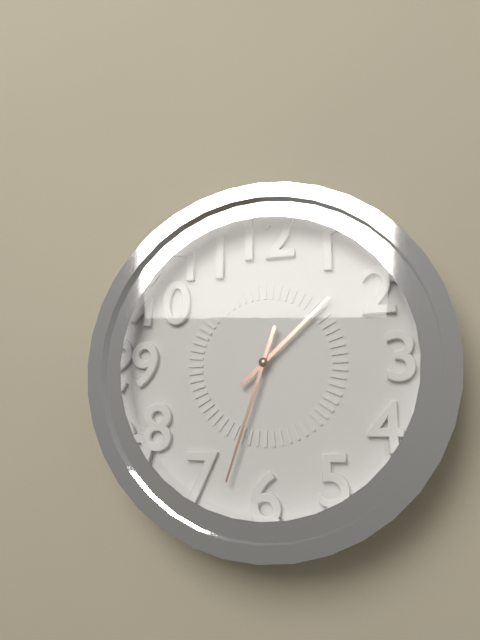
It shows 1:33
